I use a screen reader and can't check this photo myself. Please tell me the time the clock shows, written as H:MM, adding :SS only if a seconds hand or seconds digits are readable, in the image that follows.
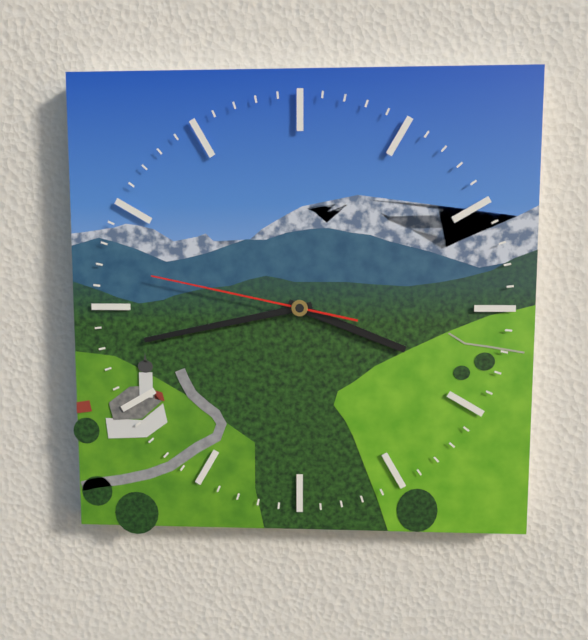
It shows 3:43:47
